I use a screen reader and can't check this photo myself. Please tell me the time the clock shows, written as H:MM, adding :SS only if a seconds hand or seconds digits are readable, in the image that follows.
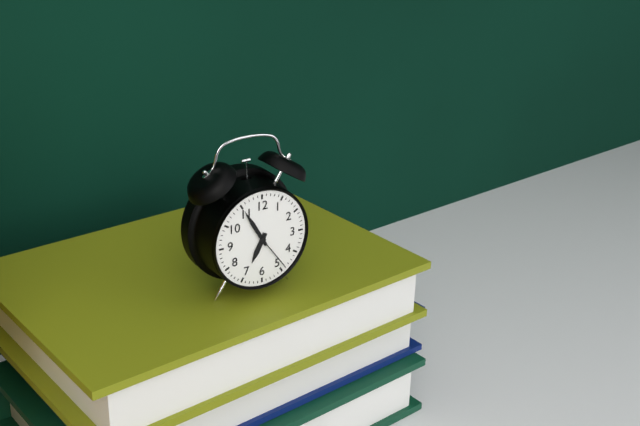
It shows 6:55
